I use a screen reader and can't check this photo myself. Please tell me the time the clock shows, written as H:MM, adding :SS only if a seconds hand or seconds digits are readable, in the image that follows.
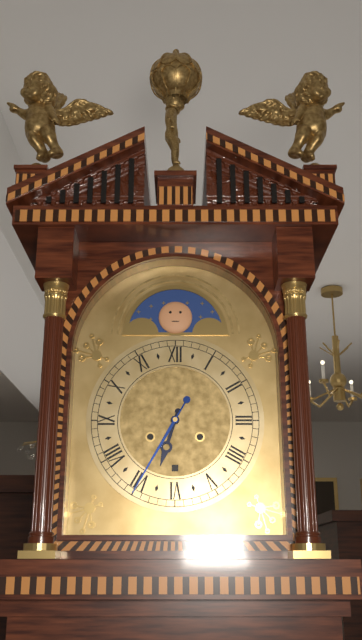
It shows 6:35
